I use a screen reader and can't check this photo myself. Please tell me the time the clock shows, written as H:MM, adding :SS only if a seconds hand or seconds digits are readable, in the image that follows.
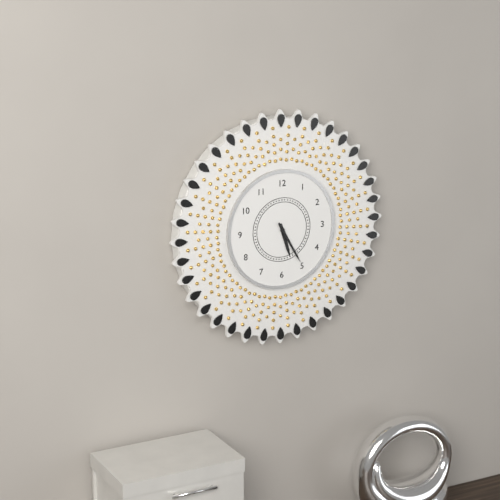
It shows 5:25
